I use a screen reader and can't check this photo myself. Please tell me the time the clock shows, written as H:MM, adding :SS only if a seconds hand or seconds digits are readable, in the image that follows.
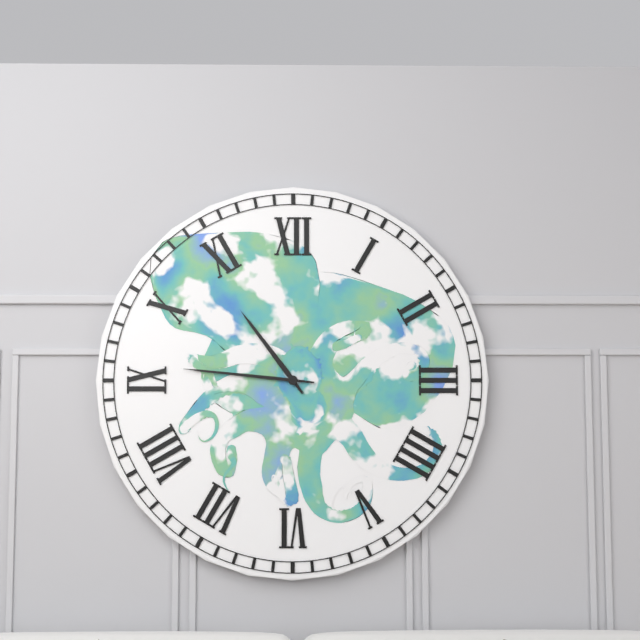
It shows 10:46
